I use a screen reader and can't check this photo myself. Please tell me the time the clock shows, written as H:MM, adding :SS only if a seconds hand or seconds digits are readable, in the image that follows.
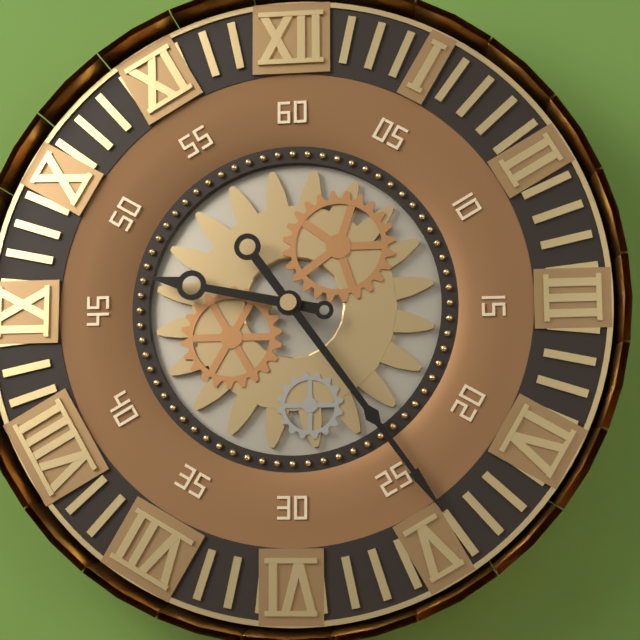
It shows 9:24
